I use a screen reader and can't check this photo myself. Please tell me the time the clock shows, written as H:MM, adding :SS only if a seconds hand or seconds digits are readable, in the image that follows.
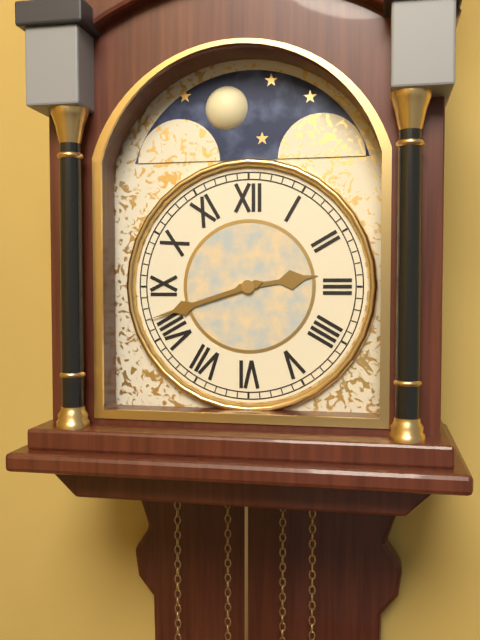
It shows 2:42
